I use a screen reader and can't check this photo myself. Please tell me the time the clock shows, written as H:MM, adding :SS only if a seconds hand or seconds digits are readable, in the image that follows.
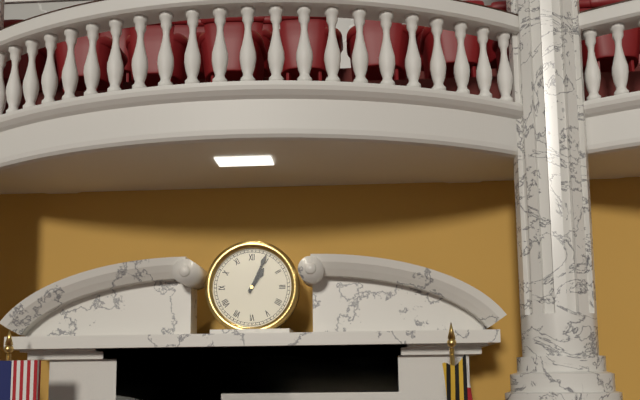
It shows 1:04
